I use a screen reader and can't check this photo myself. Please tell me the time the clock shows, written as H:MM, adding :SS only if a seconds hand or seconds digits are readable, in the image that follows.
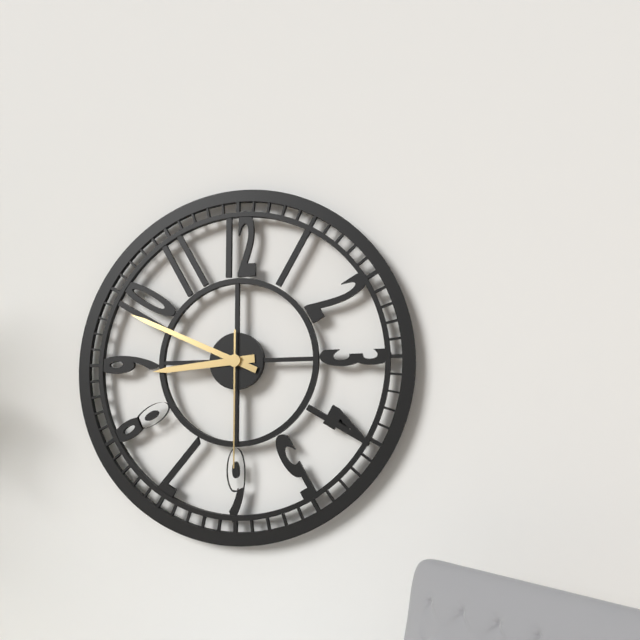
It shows 8:49:30
